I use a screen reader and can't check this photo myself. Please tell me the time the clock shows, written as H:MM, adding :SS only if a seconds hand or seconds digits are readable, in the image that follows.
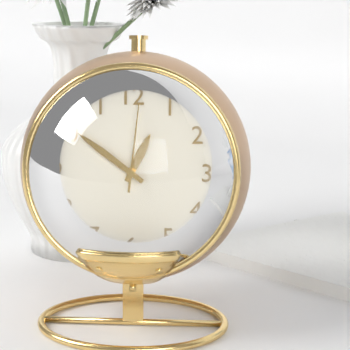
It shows 12:51:01
